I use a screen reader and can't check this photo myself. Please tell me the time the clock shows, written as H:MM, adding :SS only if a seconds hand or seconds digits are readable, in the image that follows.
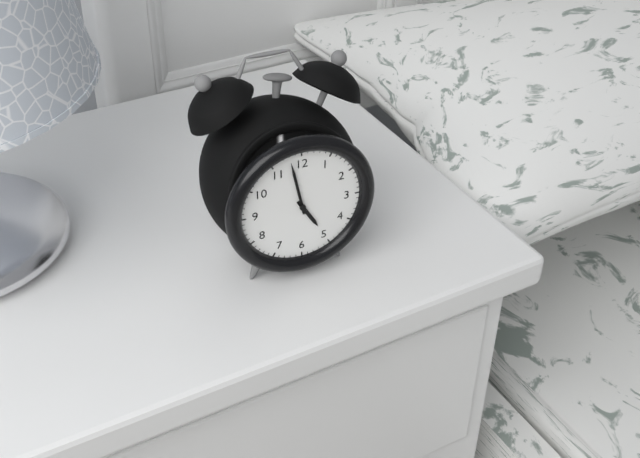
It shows 4:58
